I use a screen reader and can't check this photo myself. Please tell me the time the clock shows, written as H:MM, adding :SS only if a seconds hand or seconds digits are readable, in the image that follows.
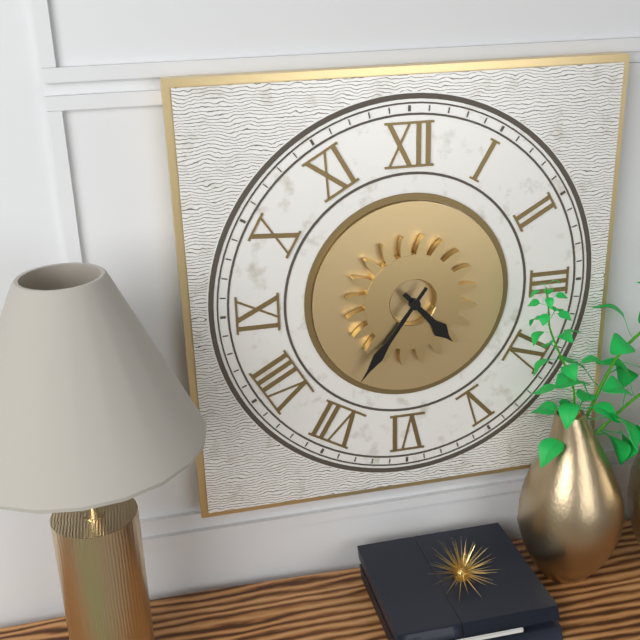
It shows 4:36
